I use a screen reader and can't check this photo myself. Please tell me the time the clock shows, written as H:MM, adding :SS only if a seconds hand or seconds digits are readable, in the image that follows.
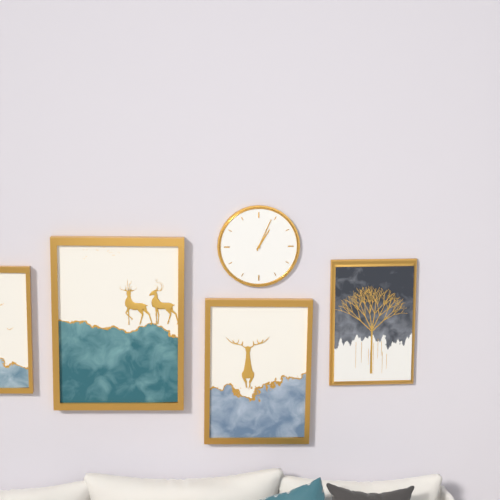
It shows 1:04
